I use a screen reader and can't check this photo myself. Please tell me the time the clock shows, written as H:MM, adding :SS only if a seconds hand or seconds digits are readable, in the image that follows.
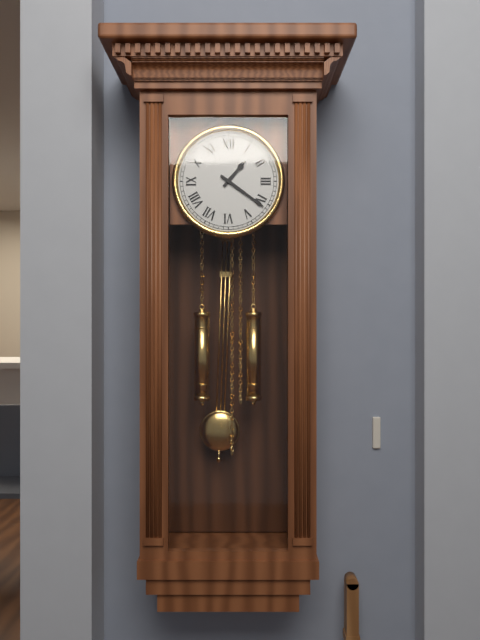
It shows 1:21
